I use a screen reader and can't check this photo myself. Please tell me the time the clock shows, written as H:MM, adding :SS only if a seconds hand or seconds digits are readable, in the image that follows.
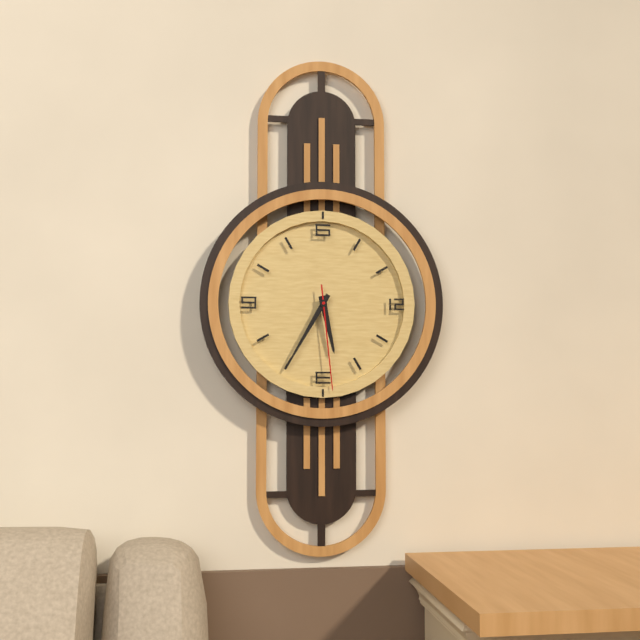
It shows 5:35:29
